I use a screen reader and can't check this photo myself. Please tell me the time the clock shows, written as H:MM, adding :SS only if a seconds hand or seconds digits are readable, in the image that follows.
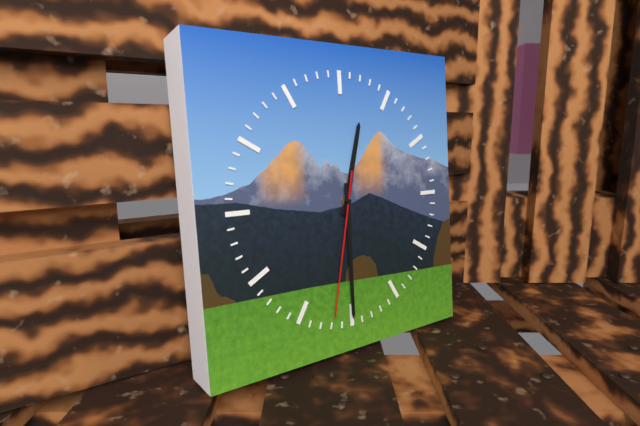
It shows 12:30:32
